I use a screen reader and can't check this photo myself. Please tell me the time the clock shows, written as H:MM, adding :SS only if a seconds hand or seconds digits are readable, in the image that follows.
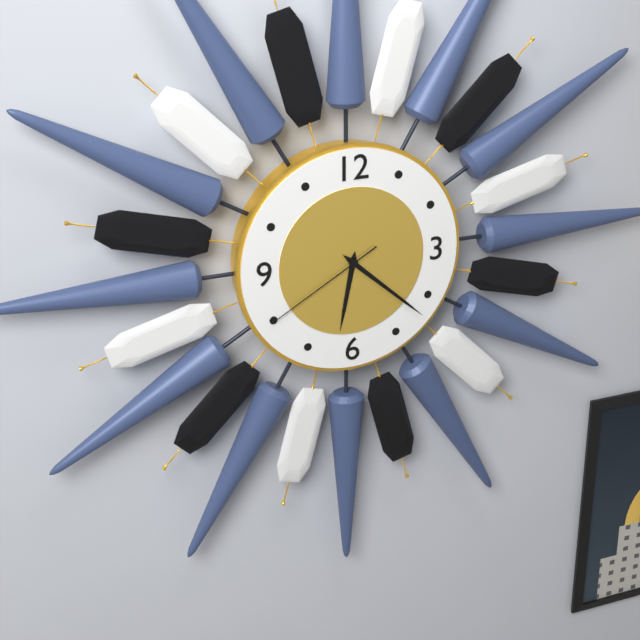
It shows 6:22:40
